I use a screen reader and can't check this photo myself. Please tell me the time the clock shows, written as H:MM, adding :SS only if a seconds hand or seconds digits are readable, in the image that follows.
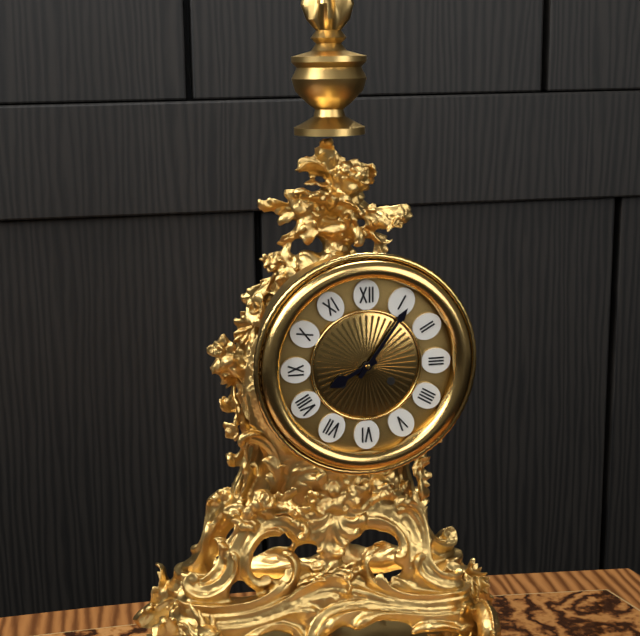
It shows 8:06
